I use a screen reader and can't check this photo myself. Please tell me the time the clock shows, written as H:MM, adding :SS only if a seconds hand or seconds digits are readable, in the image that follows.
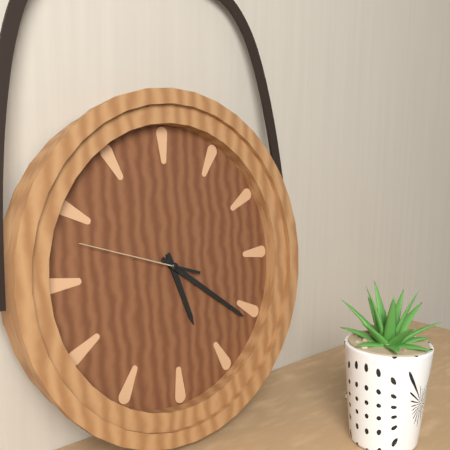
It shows 5:21:48
